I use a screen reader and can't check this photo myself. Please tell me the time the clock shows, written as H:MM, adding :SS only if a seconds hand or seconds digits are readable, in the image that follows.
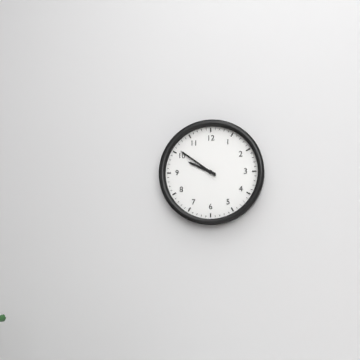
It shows 9:51
